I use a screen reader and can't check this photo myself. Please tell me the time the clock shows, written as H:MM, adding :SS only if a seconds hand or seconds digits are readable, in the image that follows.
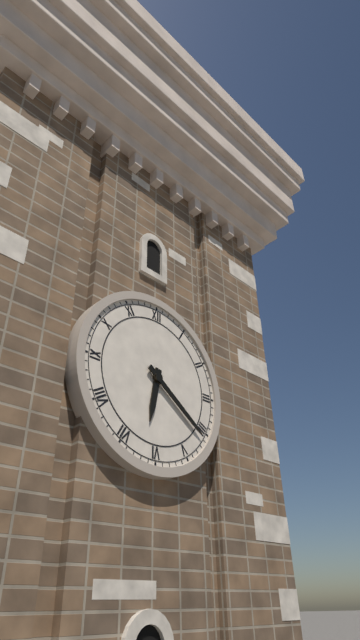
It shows 6:21
